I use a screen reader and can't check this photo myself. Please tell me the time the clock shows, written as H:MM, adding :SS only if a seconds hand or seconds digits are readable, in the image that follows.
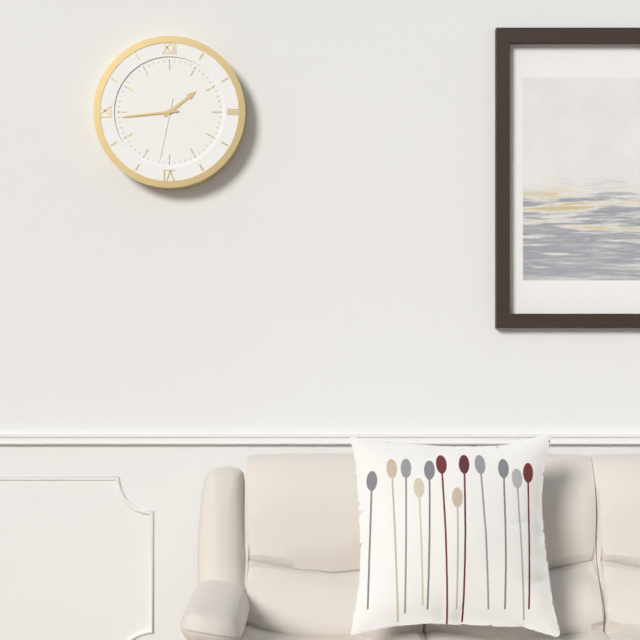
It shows 1:44:32
